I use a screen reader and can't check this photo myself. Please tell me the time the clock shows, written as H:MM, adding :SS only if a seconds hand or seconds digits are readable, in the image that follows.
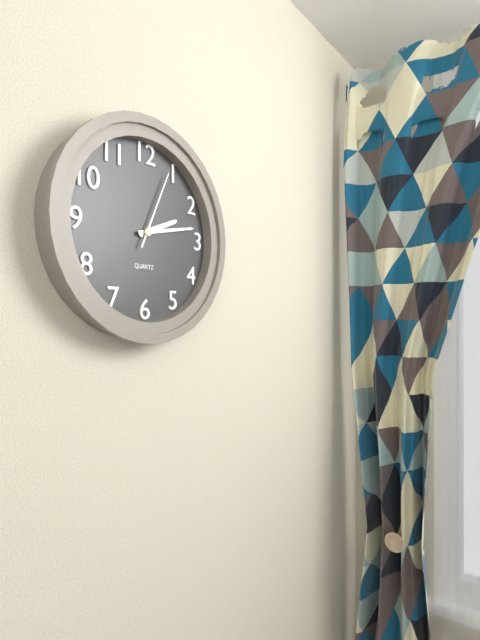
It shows 2:13:04
